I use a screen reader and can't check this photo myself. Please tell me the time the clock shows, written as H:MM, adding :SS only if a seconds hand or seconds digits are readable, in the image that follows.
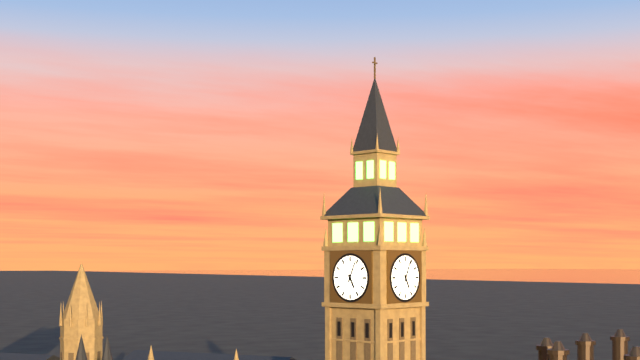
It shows 5:04
